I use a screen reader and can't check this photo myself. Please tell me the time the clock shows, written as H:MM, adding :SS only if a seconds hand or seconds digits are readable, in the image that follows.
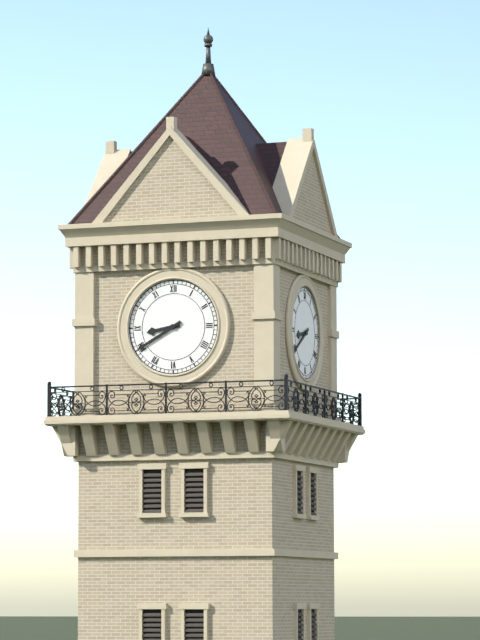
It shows 8:40
